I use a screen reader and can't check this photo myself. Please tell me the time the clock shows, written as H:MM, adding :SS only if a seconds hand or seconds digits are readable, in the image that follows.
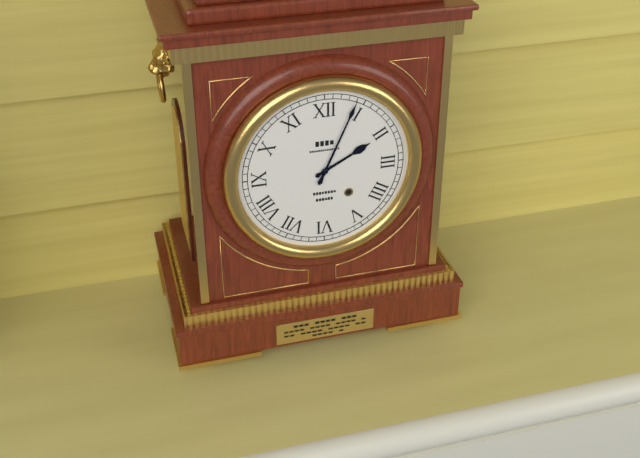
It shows 2:04
